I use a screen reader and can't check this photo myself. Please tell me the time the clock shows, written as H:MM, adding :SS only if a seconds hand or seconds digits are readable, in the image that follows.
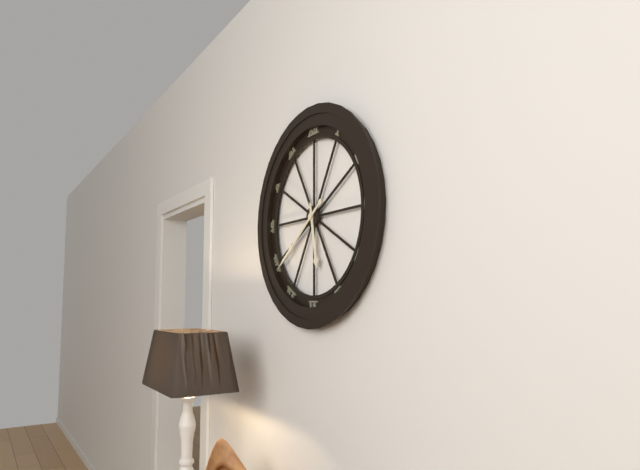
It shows 5:39
